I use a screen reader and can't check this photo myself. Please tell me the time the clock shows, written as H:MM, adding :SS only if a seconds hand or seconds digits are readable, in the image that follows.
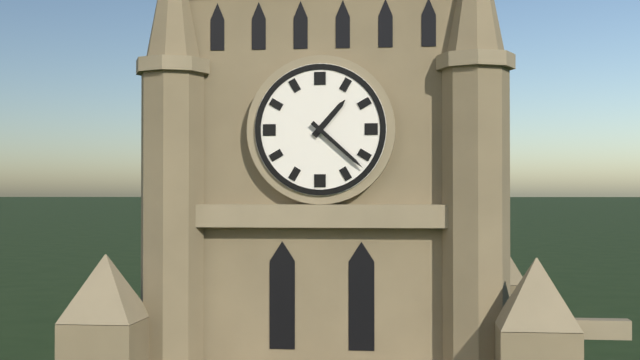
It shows 1:22
